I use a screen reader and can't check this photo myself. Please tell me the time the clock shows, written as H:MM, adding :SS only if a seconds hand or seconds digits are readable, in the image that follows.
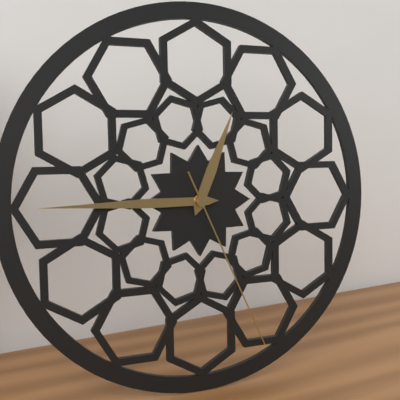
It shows 12:45:26
